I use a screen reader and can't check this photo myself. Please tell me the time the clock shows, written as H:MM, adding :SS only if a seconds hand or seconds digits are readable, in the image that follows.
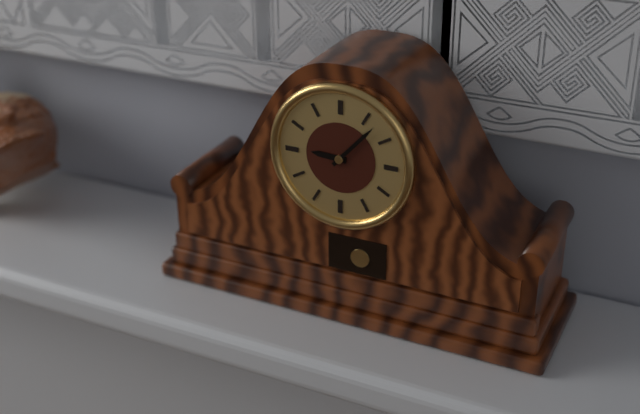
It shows 9:07
